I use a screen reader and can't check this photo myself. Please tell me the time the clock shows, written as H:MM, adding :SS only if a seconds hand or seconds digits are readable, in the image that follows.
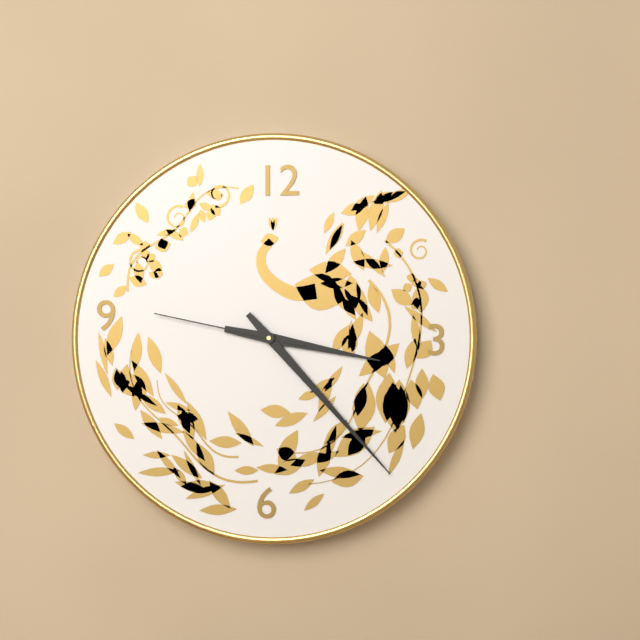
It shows 3:23:47
